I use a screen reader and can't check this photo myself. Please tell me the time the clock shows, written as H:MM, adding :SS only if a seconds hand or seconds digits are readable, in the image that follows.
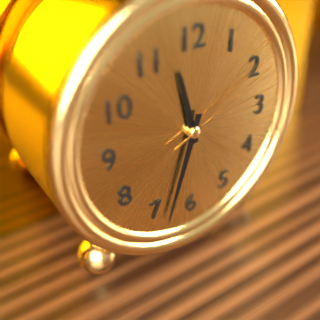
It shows 11:33:11
